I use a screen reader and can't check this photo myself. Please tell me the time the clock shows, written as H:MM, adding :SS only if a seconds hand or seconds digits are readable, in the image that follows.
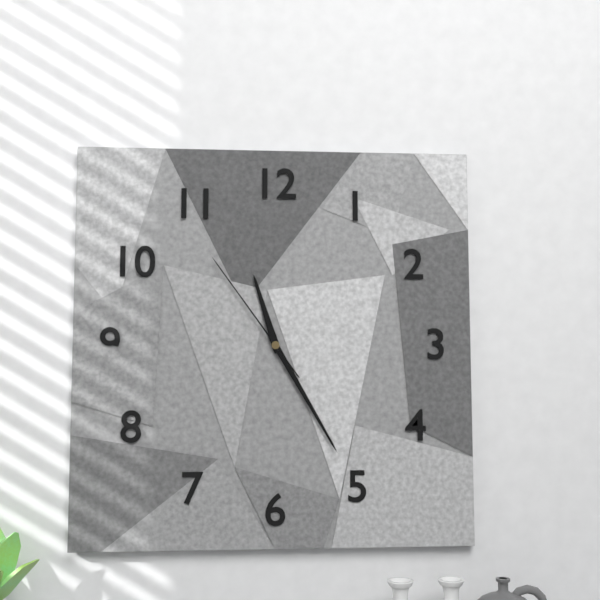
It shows 11:25:54
